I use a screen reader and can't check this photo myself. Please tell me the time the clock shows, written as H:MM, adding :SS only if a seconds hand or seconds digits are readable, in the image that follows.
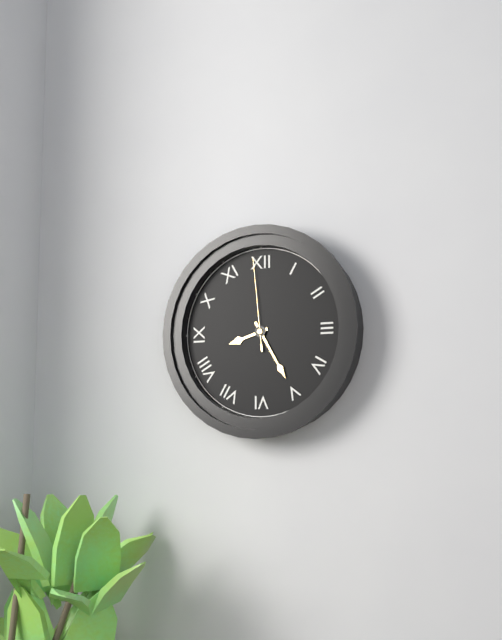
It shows 8:25:59
